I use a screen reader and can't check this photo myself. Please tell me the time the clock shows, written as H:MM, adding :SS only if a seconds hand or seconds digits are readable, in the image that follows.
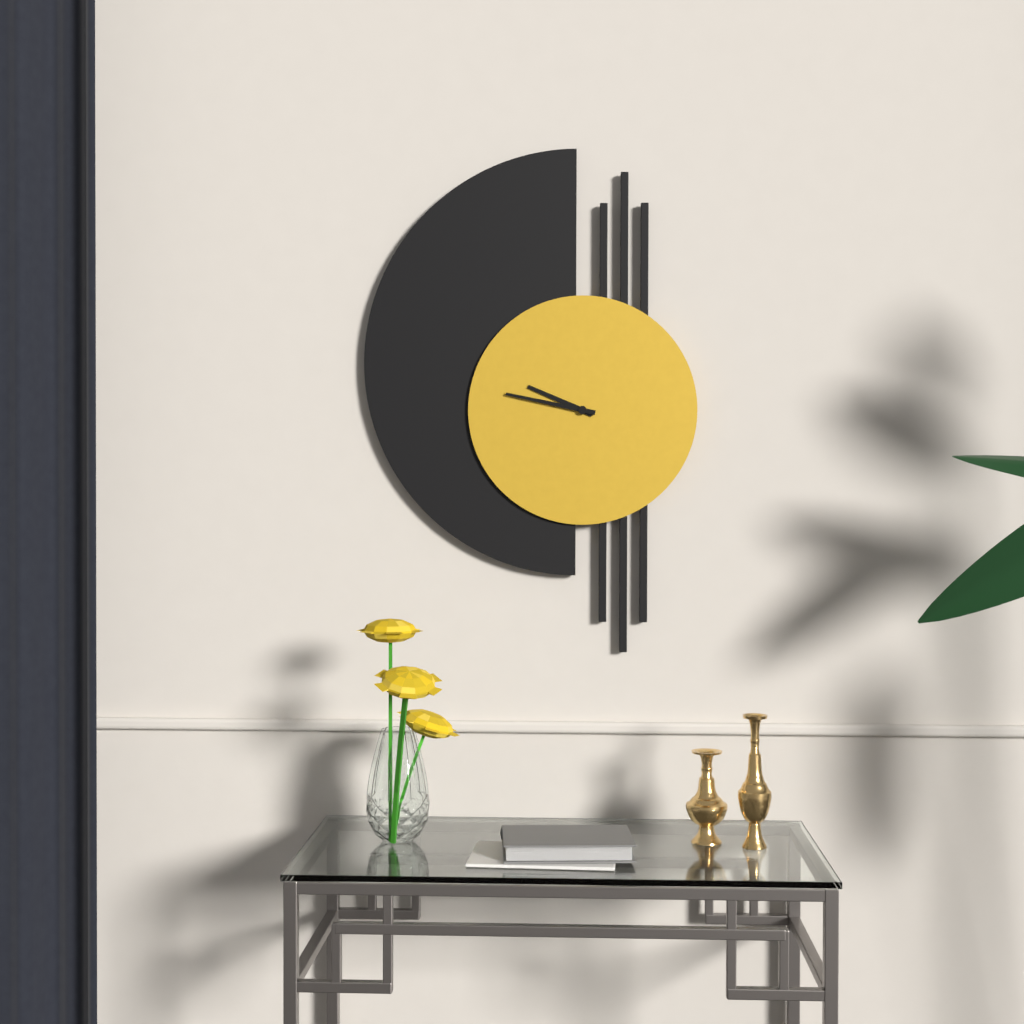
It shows 9:47
